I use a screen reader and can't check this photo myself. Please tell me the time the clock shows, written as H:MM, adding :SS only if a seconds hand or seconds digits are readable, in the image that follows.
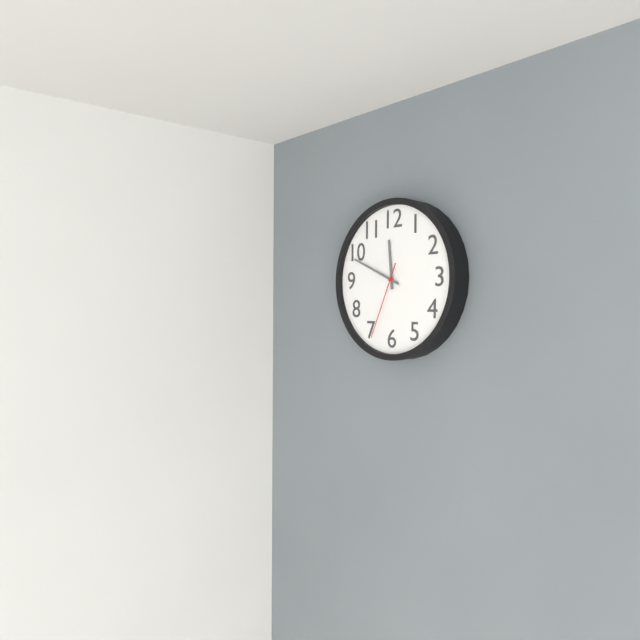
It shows 11:49:34
